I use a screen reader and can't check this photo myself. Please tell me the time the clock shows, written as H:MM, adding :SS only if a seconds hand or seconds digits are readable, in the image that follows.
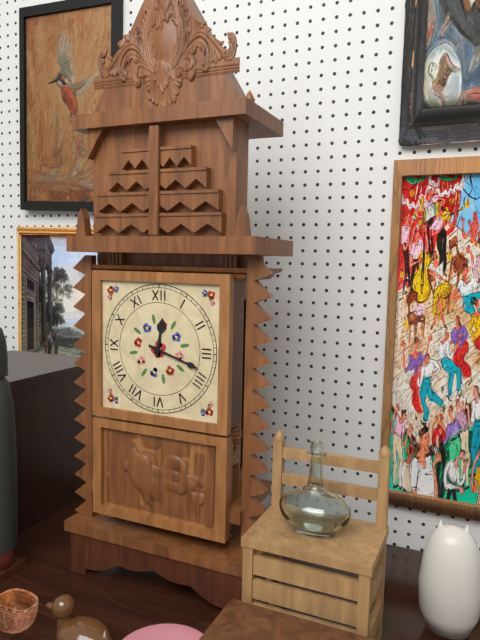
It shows 12:18
